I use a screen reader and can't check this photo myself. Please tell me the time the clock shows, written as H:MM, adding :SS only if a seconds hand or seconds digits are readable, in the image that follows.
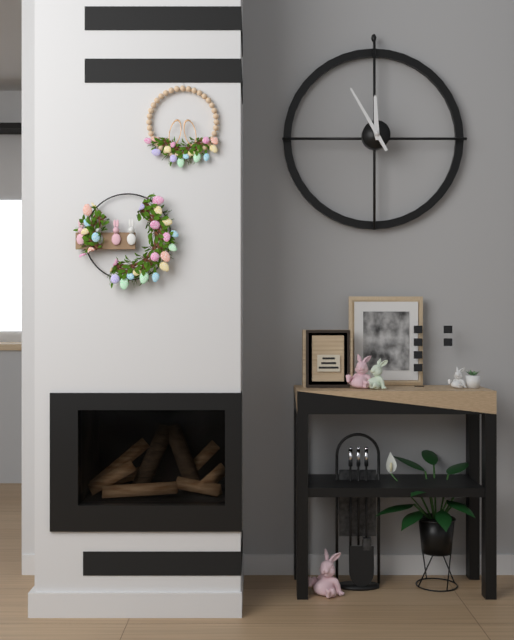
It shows 11:55
